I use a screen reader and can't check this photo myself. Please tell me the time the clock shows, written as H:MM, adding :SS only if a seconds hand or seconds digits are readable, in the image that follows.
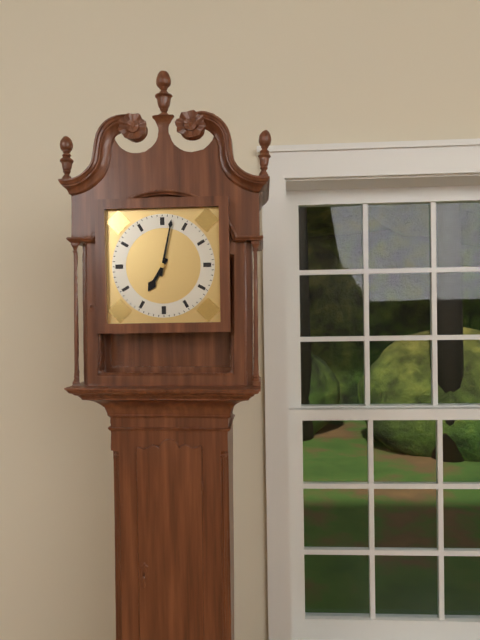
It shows 7:02
